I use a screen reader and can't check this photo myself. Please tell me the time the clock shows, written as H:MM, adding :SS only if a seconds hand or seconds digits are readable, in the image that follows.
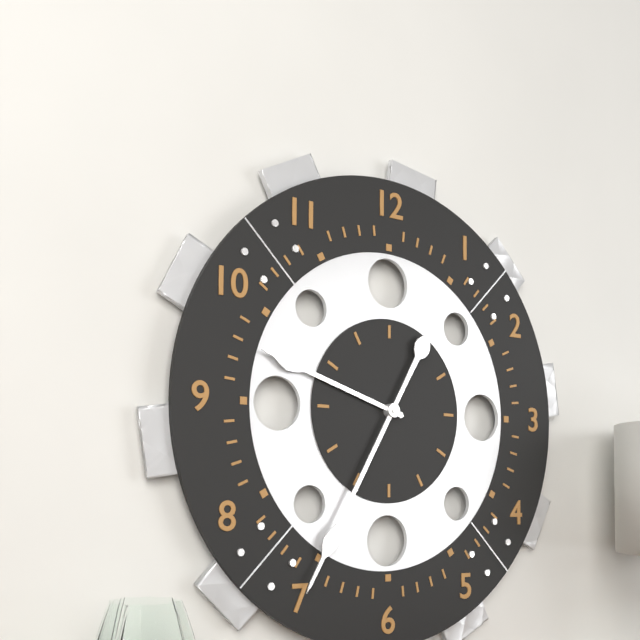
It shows 9:35
